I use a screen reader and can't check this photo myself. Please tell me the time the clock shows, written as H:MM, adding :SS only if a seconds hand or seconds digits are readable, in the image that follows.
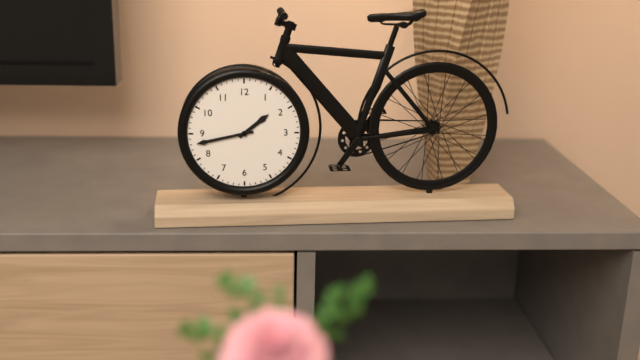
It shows 1:43
